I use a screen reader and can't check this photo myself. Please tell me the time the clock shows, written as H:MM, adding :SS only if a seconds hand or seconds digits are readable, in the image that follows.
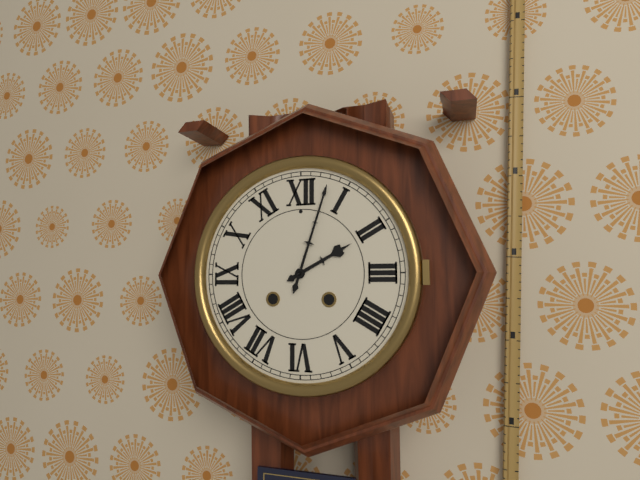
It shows 2:03
